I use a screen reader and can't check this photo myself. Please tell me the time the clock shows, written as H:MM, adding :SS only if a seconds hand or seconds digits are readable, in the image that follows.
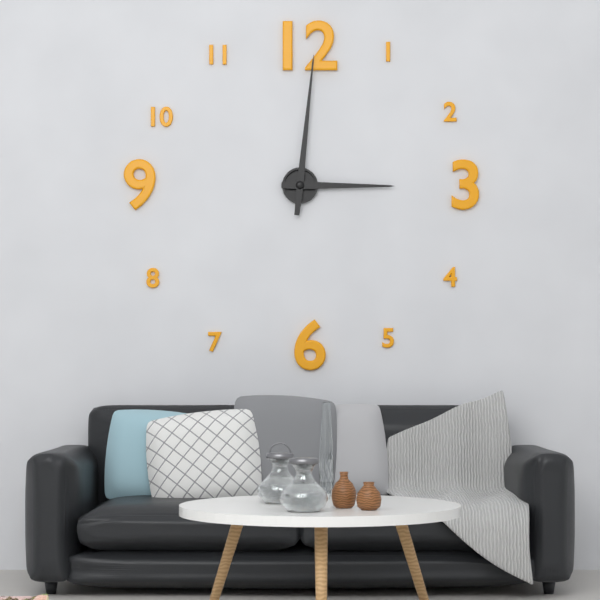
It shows 3:01
